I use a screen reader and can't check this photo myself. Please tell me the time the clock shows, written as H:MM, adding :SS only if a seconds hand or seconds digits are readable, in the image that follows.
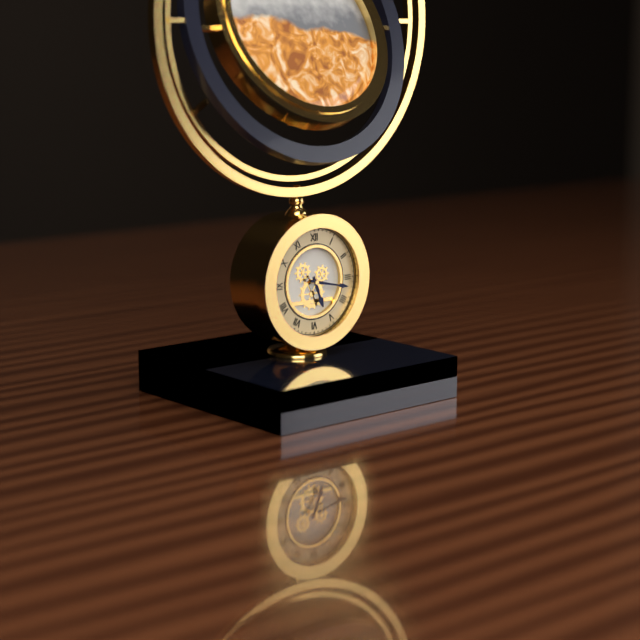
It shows 5:17
